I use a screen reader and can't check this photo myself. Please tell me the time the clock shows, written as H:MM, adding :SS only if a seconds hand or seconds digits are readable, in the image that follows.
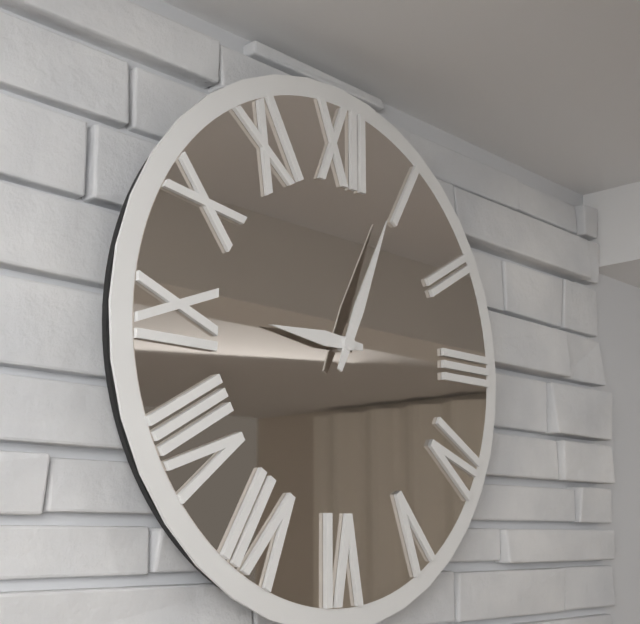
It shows 9:04
